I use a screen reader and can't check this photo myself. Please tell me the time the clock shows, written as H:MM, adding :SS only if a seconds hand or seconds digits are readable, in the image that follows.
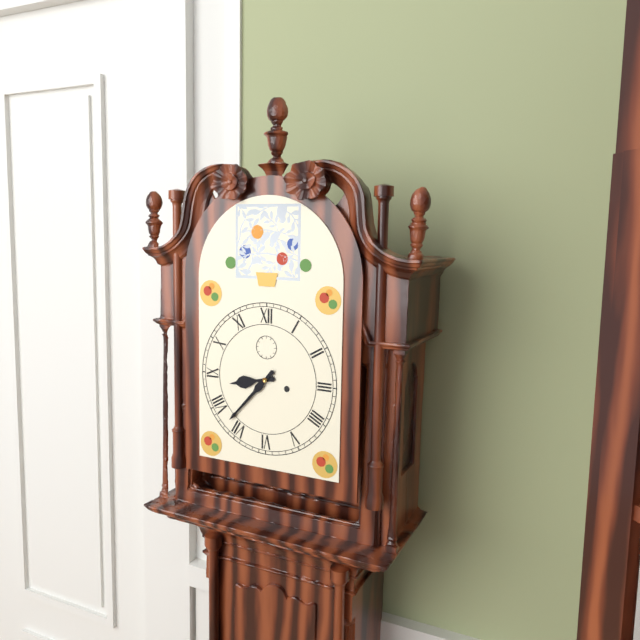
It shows 8:37
